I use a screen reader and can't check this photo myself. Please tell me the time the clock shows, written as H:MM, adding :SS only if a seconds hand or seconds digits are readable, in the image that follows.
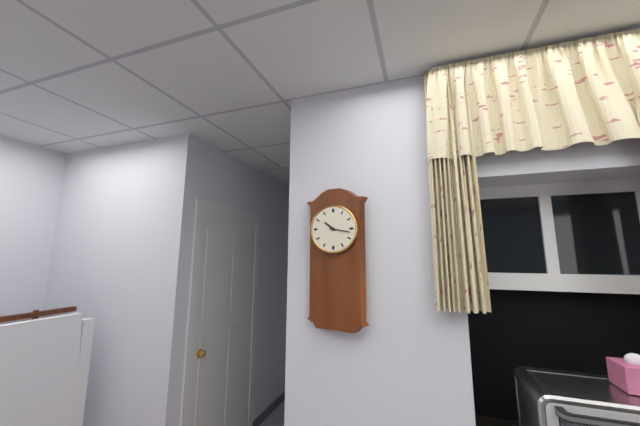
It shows 10:17
